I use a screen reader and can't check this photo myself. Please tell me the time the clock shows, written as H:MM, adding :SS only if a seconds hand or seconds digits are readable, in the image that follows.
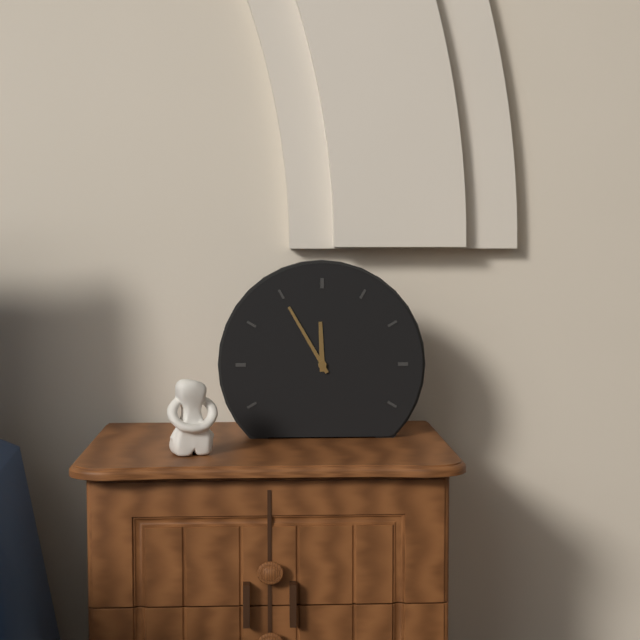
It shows 11:55
